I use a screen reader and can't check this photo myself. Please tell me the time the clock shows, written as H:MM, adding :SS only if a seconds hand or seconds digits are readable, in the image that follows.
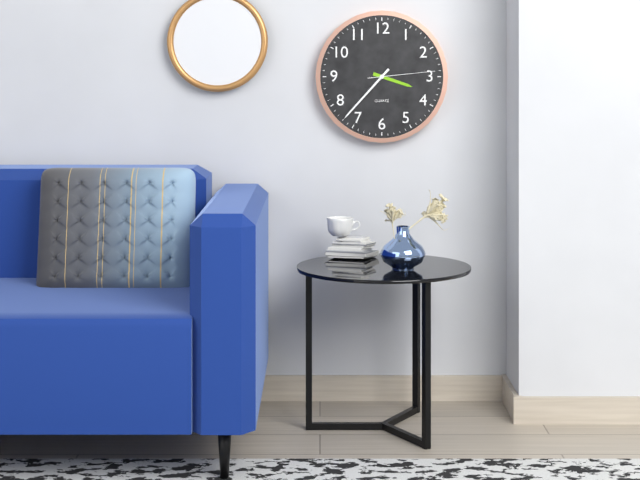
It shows 3:37:14
